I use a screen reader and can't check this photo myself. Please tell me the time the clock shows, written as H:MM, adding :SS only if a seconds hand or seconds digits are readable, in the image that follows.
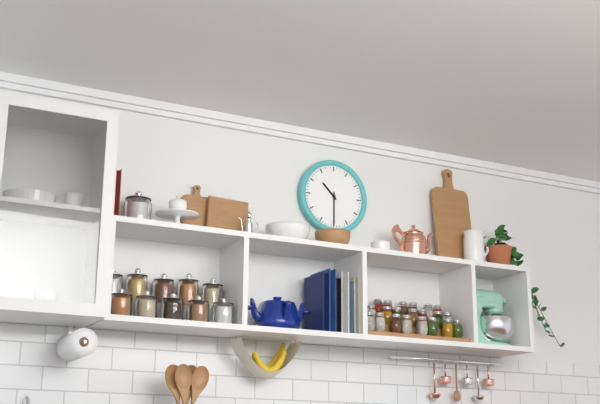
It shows 10:30
